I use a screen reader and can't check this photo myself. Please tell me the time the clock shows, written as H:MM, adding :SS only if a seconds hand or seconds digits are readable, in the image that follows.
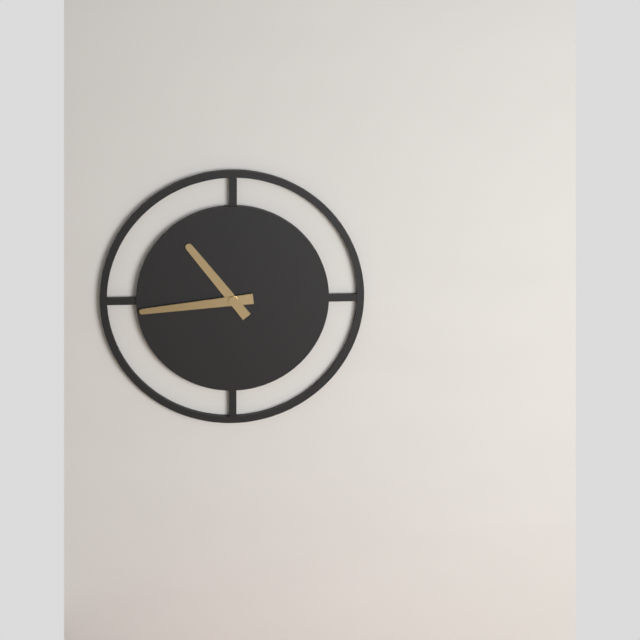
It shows 10:44
